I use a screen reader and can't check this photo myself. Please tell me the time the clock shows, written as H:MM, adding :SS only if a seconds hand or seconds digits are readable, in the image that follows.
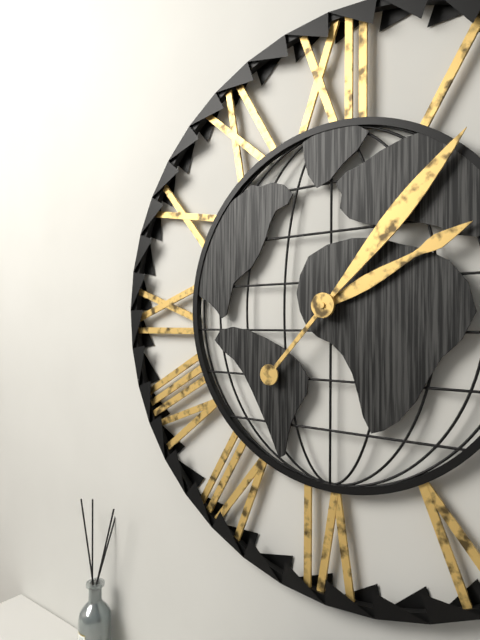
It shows 2:07
